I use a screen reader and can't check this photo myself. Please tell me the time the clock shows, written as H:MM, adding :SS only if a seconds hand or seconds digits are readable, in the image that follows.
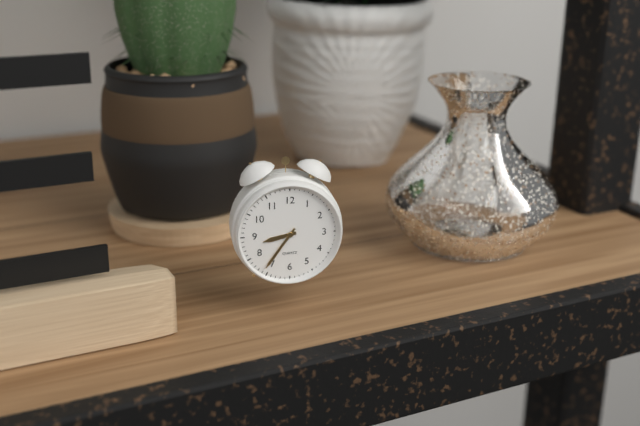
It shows 8:36
